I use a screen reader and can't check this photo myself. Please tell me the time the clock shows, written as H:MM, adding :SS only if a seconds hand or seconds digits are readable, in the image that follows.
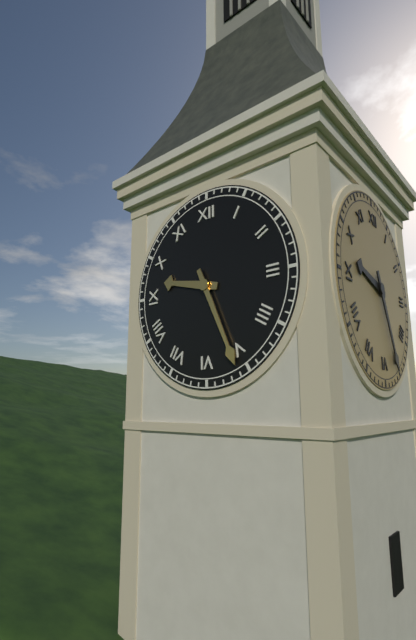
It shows 9:26
